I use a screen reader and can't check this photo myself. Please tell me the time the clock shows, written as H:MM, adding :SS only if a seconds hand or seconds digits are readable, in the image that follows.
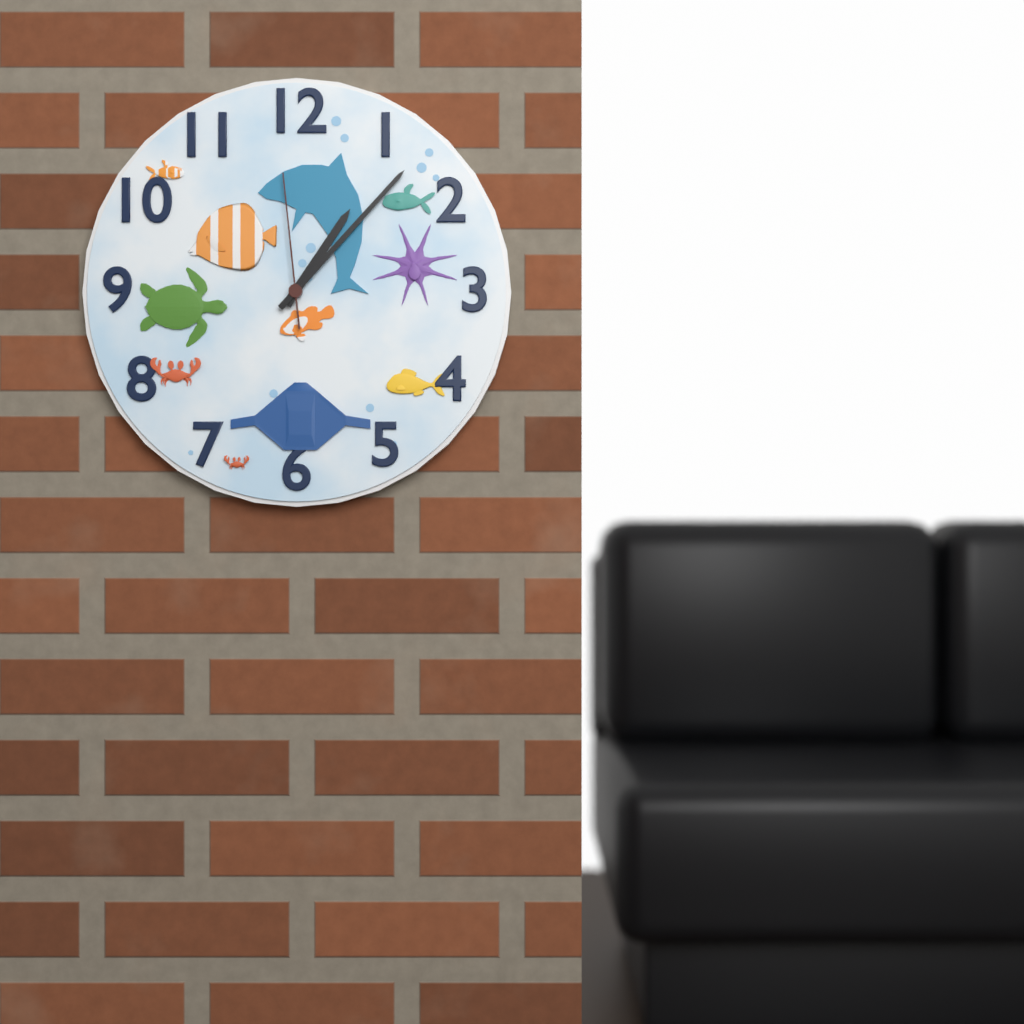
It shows 1:07:59
